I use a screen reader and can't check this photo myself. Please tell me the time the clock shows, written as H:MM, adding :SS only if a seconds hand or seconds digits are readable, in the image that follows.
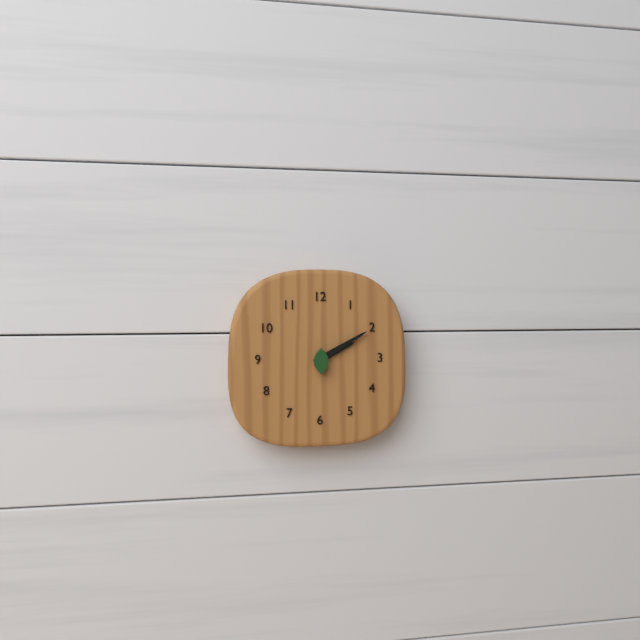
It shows 2:10
